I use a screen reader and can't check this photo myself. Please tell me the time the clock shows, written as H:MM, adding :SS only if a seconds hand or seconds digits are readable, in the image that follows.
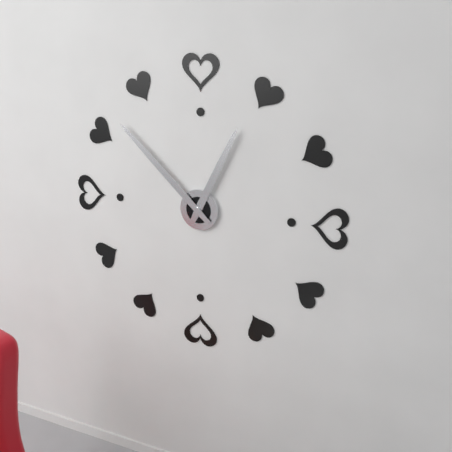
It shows 12:52
